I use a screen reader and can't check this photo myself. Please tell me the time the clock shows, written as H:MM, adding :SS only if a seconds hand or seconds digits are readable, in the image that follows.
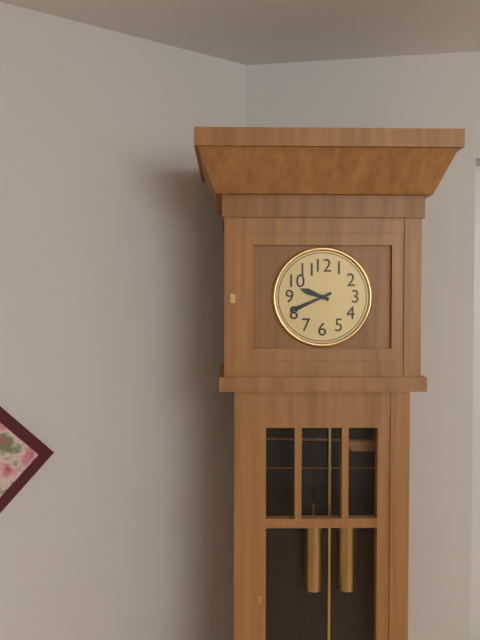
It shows 9:41
